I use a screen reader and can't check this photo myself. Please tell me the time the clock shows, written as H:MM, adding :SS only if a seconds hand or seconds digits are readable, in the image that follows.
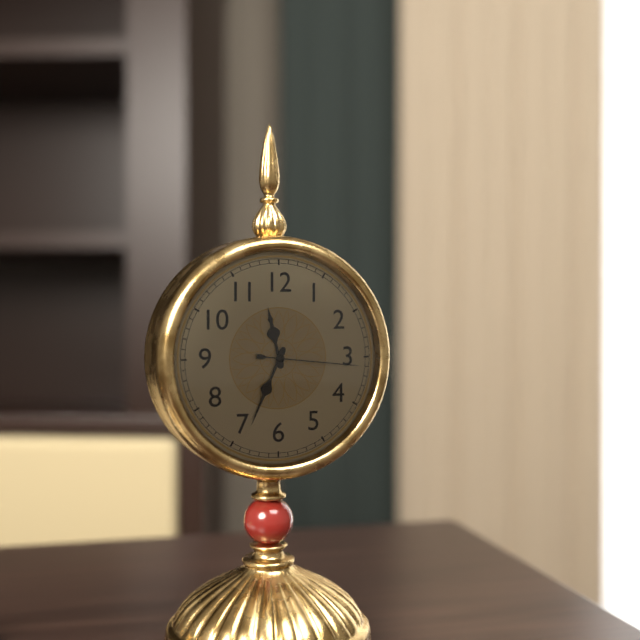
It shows 11:34:16
